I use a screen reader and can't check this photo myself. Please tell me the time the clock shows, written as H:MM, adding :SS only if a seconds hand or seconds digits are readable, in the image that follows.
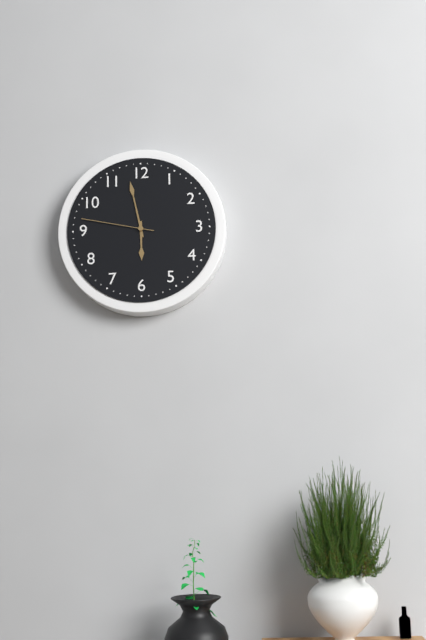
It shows 5:58:47
